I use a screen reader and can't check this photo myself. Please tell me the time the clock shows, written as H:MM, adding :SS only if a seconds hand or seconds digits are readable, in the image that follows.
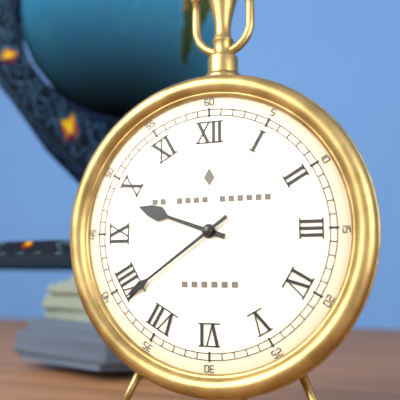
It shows 9:39
